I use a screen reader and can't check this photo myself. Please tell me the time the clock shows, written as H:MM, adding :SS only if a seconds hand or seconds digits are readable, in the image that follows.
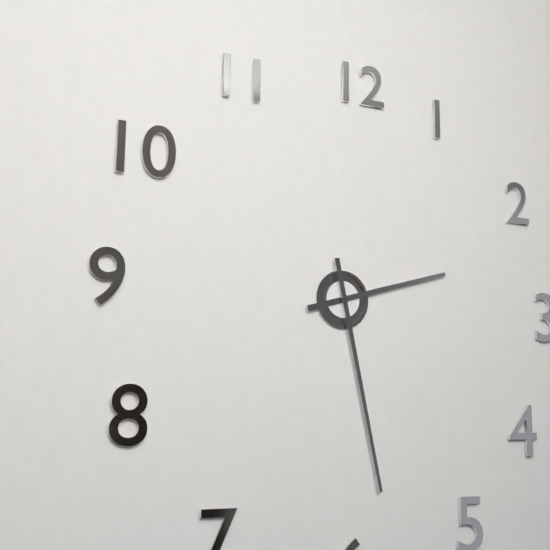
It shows 2:28
